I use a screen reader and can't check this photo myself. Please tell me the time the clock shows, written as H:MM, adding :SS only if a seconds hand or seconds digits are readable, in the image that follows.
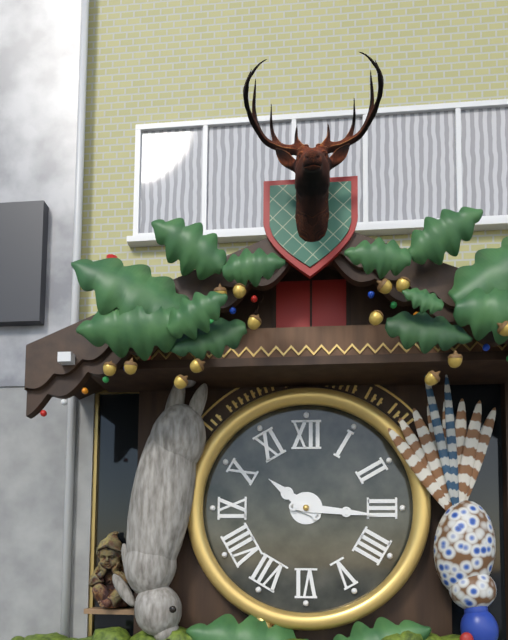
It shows 10:16
